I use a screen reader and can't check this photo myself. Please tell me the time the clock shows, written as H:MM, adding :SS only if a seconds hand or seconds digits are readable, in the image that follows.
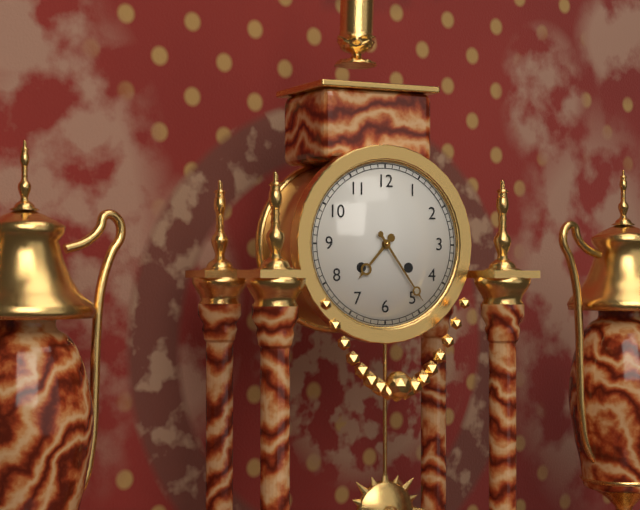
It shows 7:24
